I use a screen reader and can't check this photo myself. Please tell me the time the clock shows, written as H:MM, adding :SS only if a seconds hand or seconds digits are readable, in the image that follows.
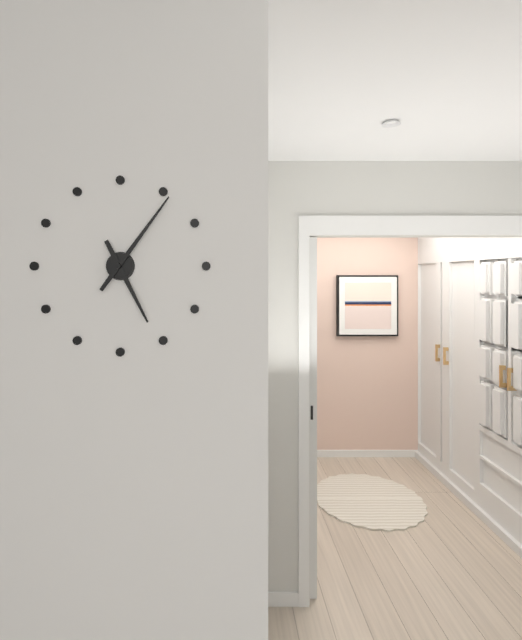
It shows 5:06
